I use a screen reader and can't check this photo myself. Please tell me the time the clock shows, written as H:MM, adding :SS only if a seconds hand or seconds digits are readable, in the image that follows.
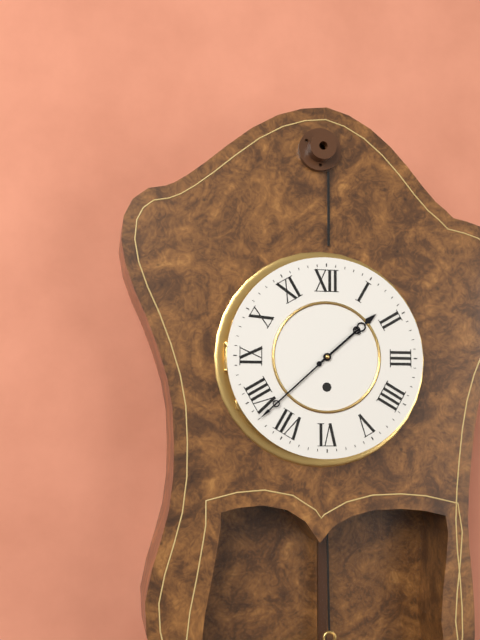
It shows 1:38
